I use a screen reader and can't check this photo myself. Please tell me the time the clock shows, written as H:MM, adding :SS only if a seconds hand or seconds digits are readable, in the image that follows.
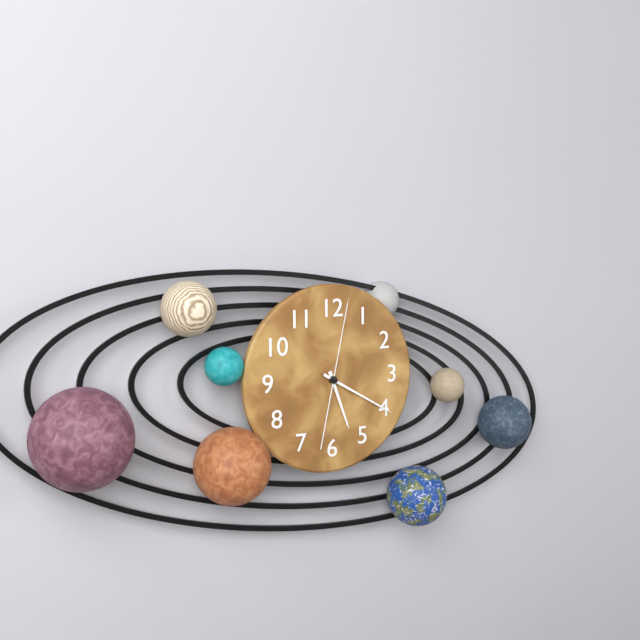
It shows 5:20:02
